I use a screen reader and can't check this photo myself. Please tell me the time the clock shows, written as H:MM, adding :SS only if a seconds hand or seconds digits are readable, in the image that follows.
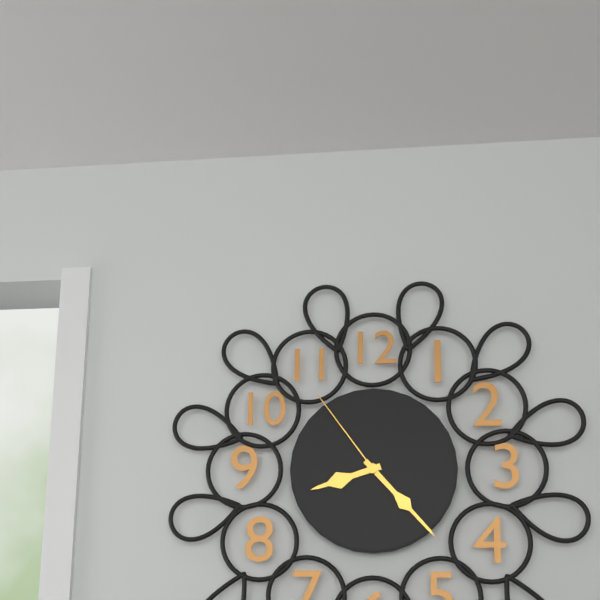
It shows 8:23:54
